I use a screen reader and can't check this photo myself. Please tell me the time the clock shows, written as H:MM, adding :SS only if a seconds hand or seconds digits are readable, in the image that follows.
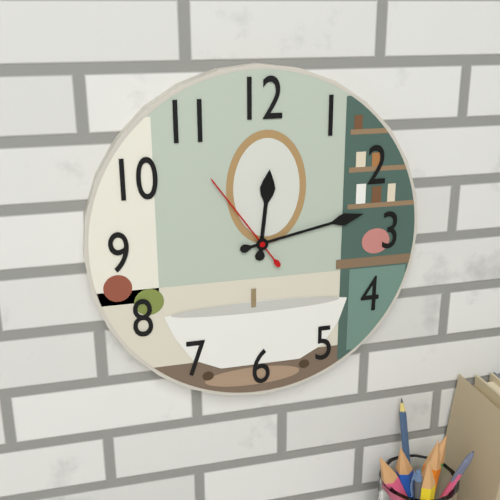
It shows 12:13:54
